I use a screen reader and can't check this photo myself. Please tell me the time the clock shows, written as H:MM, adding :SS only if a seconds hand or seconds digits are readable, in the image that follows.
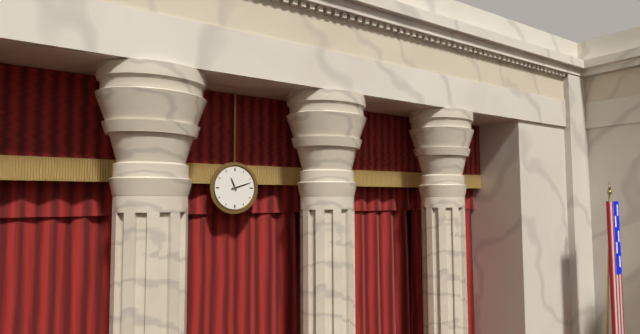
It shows 11:12
